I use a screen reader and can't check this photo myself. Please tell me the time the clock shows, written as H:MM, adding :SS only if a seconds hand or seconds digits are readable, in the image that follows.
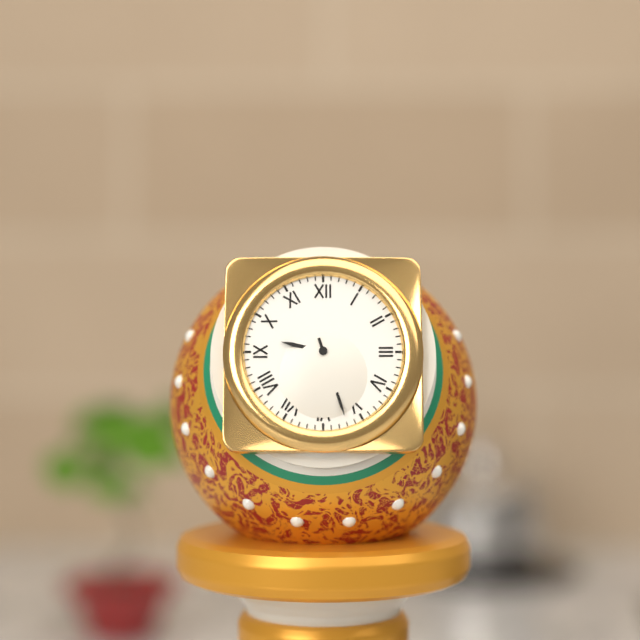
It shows 9:27
